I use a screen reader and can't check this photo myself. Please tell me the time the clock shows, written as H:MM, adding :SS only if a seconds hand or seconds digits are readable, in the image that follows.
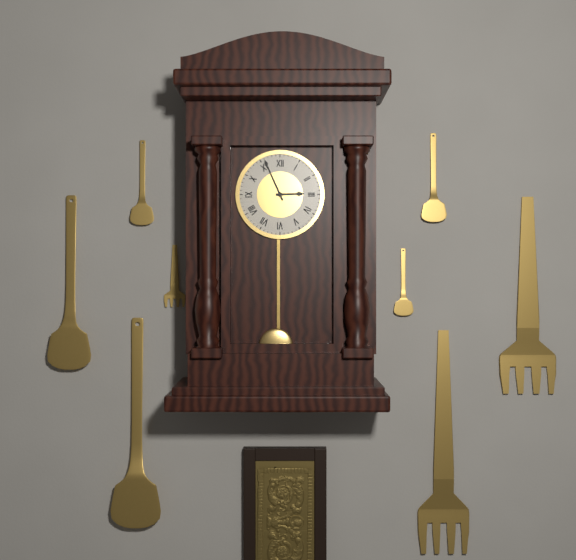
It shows 2:56
